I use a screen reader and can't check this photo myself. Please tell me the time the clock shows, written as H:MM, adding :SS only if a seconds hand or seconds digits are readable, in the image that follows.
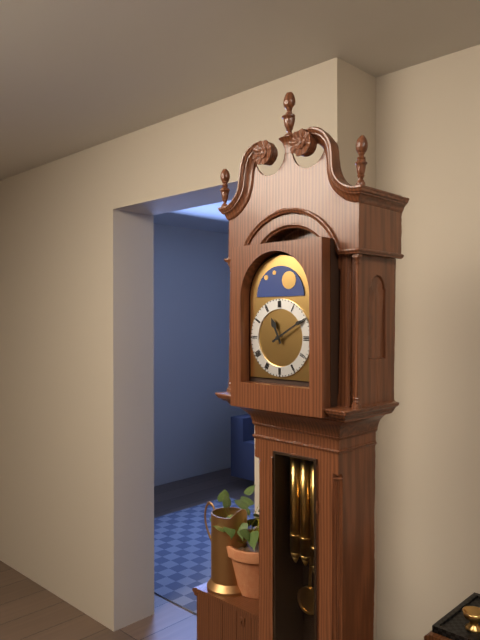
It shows 11:10
